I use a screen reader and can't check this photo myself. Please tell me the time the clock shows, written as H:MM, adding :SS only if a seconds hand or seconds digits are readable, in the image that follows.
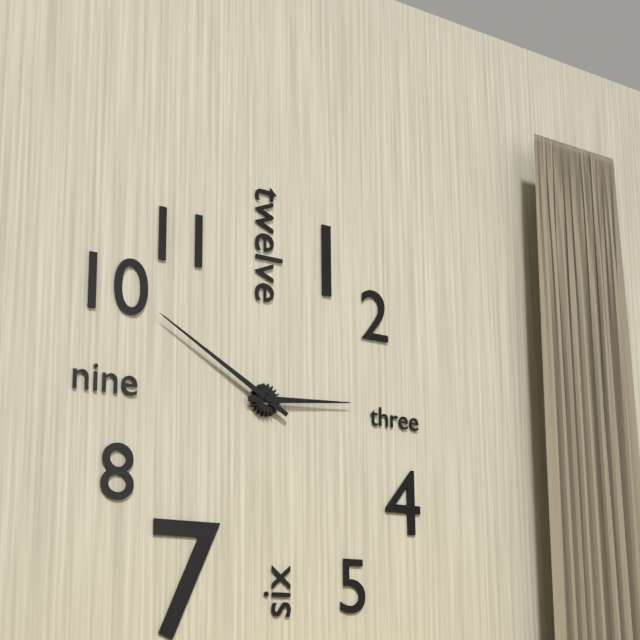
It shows 2:50
